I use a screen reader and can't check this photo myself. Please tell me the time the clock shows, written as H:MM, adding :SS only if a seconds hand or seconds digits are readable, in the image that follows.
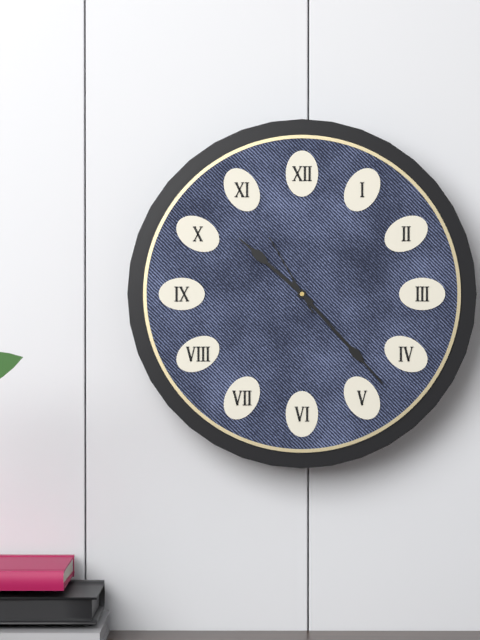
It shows 10:23:55
